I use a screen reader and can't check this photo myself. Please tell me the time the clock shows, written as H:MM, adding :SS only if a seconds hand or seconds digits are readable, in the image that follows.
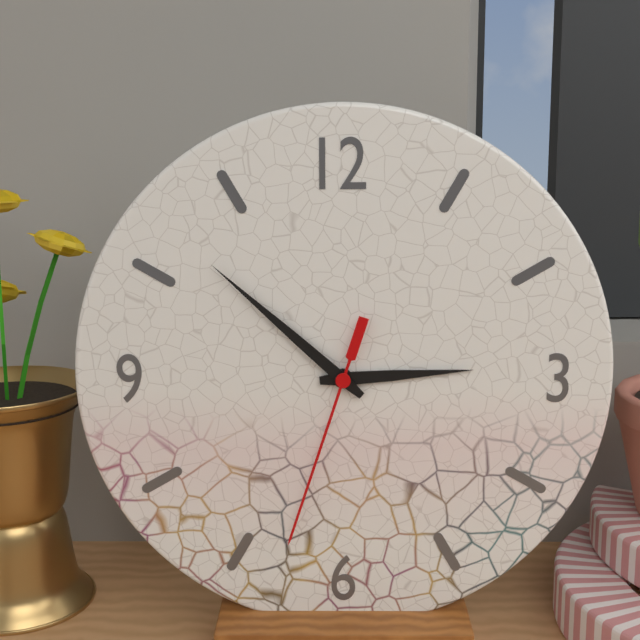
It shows 2:52:33
